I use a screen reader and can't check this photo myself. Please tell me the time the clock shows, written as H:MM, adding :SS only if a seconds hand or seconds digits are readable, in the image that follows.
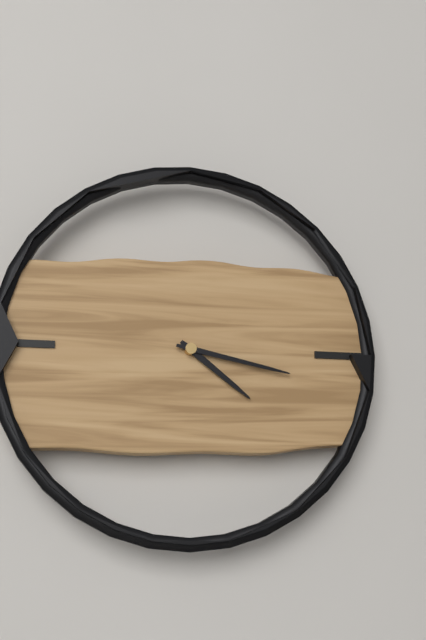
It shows 4:17
